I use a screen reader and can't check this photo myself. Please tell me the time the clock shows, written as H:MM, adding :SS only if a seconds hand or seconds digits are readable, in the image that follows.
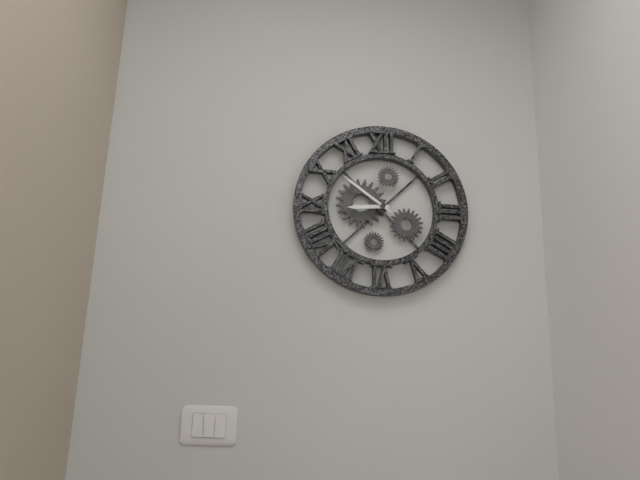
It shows 8:51
